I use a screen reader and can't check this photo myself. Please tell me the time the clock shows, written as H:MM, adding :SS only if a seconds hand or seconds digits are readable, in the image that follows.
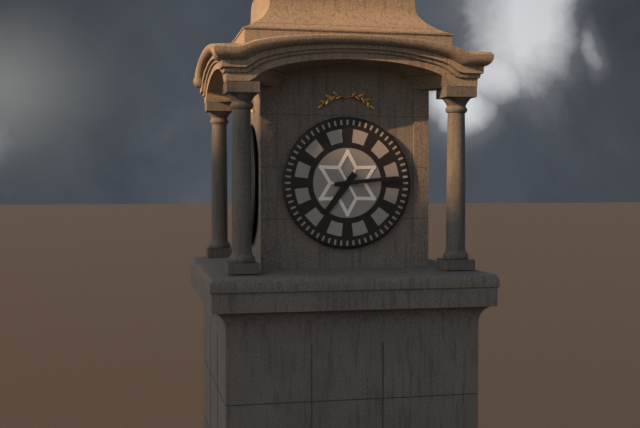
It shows 7:14
